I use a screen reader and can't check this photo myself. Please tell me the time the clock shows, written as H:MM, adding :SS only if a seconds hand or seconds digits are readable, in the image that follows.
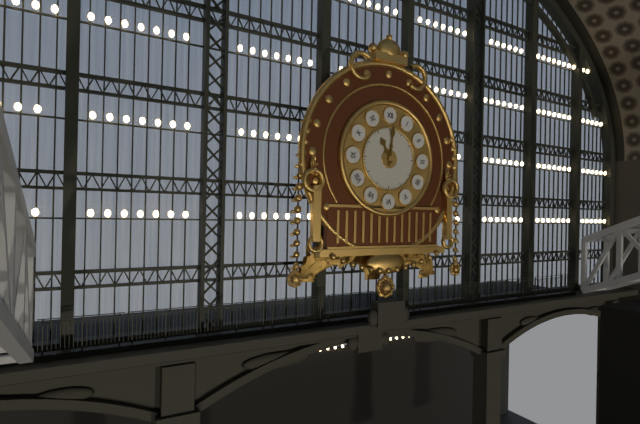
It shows 11:01
